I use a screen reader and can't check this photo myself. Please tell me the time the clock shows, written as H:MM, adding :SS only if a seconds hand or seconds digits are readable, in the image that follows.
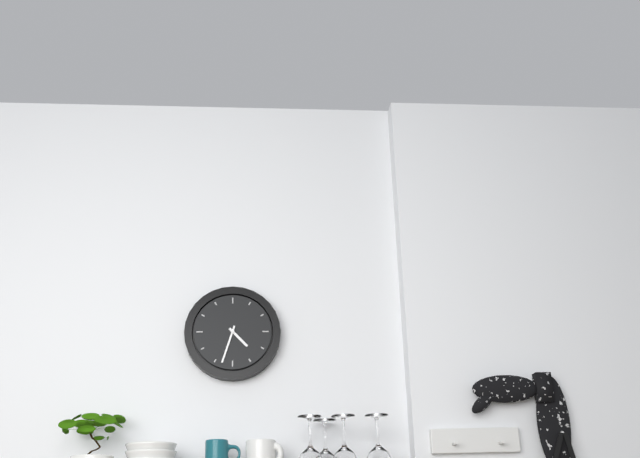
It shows 4:33
